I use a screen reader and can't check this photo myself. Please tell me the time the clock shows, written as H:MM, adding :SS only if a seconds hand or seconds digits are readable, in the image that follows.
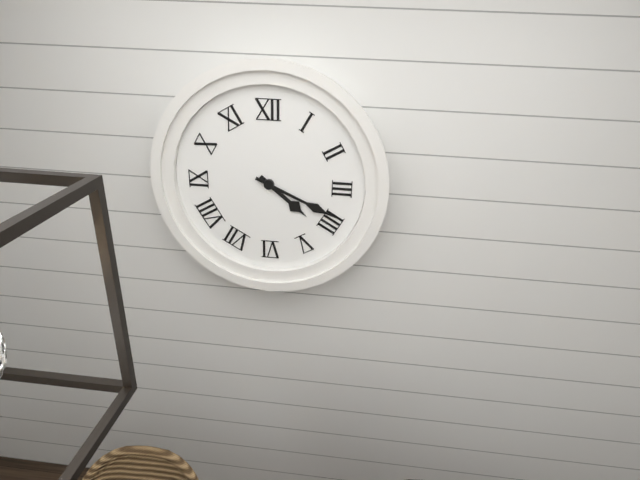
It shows 4:19
